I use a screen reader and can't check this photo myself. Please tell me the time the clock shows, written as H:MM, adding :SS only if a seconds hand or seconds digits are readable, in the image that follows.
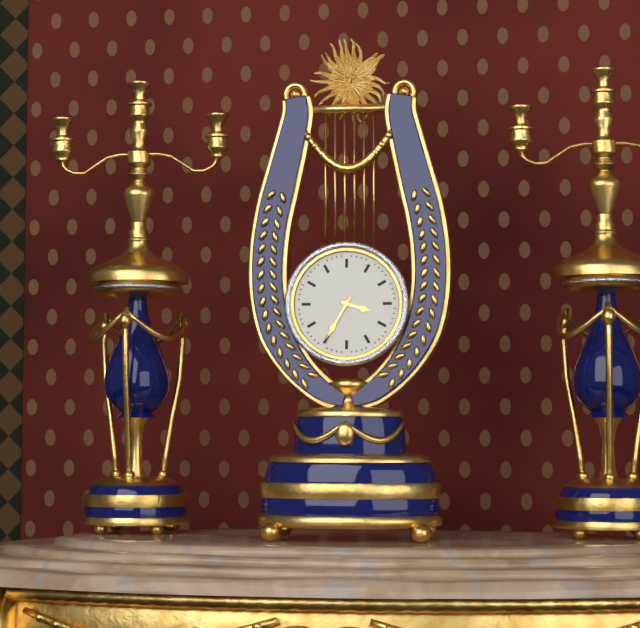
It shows 3:35
